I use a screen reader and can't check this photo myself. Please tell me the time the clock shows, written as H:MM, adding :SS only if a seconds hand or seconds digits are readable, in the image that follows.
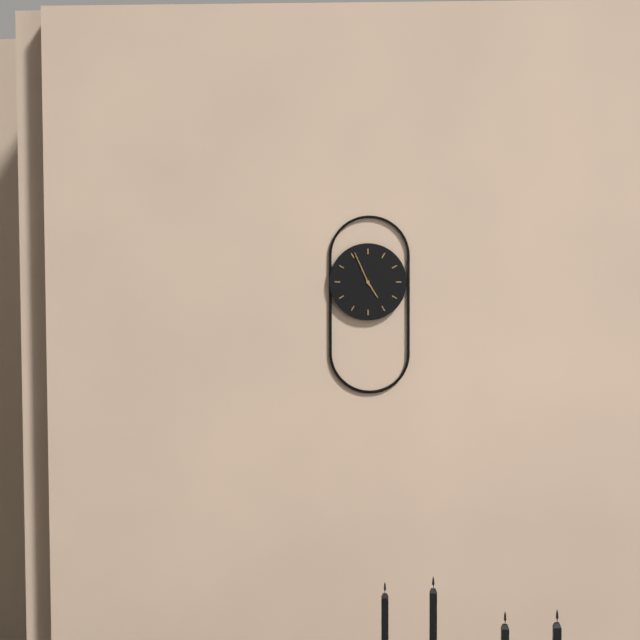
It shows 4:56
